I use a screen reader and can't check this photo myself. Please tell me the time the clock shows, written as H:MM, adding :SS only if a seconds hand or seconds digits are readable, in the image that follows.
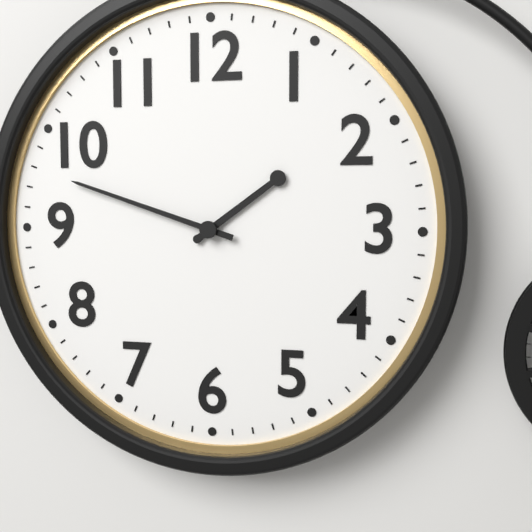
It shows 1:48
